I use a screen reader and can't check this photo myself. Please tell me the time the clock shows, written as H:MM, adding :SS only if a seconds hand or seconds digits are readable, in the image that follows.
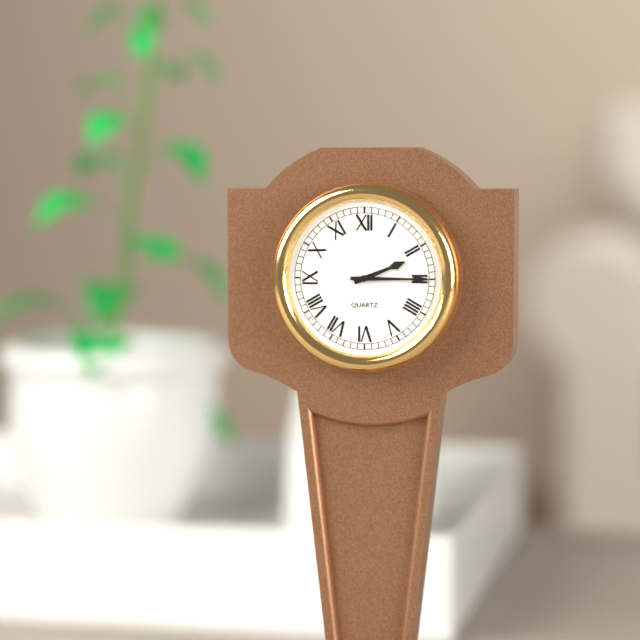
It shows 2:15
